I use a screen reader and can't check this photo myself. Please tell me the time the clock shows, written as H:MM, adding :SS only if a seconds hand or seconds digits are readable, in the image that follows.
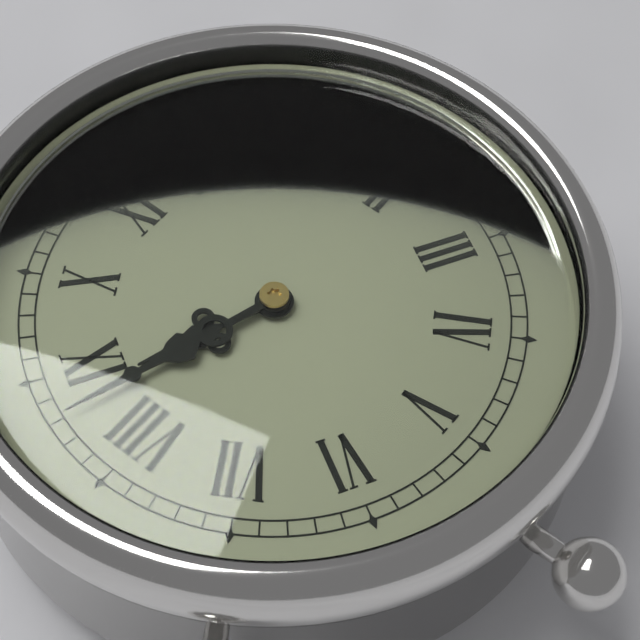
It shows 8:43
